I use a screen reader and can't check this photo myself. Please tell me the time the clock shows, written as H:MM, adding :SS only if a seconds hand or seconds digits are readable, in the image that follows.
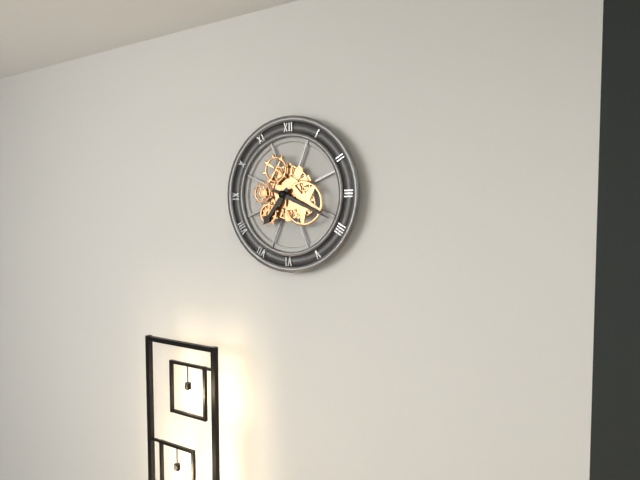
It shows 7:19
